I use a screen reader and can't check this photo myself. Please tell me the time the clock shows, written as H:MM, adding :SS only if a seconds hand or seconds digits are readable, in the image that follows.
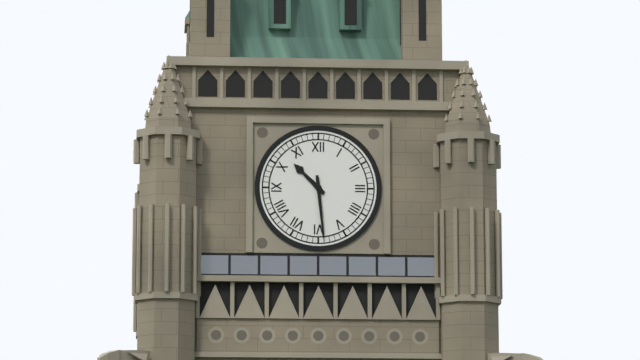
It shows 10:29
